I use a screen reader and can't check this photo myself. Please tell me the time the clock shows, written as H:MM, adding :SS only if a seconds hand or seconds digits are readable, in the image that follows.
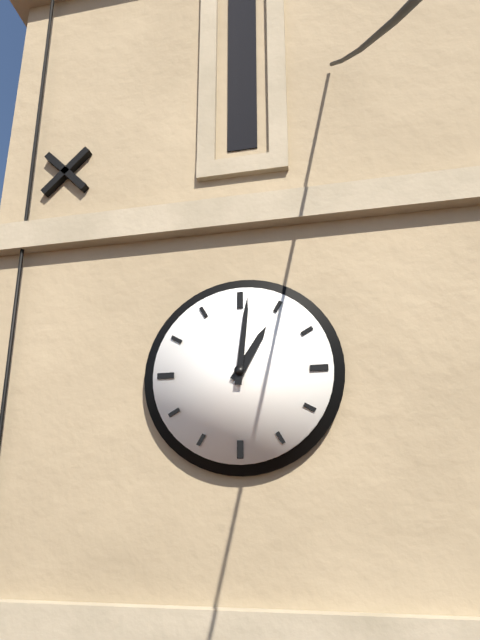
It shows 1:01
